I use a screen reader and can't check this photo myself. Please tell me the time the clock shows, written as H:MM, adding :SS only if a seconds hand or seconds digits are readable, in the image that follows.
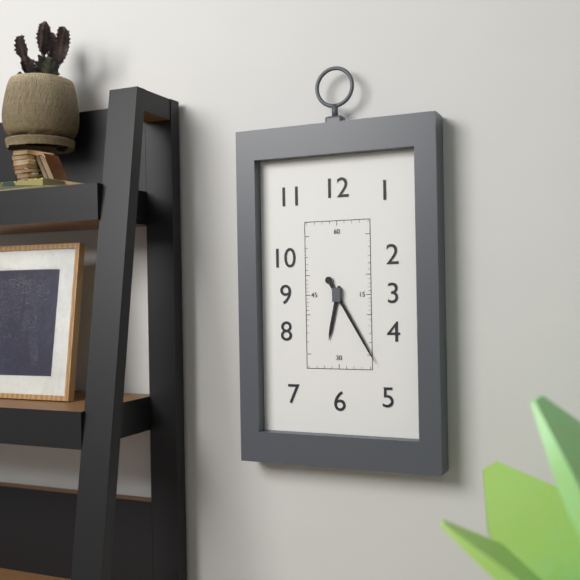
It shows 6:25
